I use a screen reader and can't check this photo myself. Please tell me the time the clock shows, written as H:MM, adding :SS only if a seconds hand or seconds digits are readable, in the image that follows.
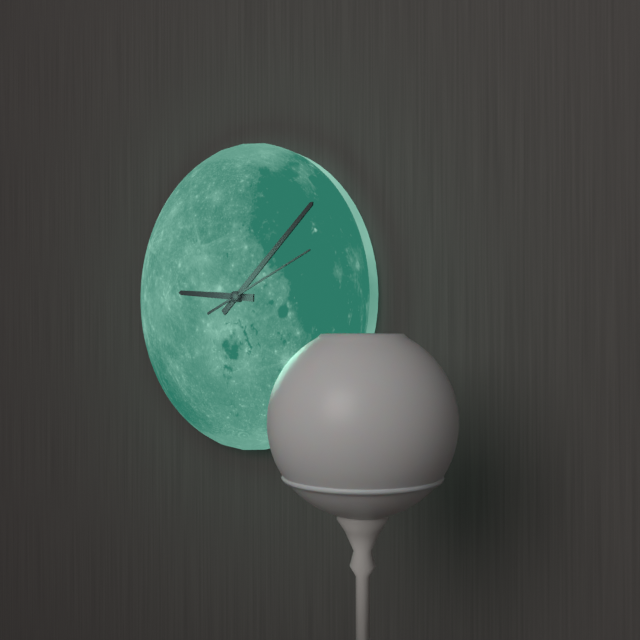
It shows 9:08:11
